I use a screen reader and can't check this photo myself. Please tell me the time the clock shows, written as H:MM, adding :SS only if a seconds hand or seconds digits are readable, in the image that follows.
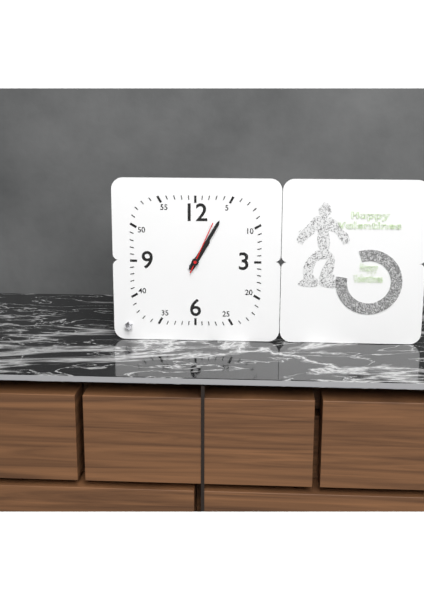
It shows 1:05:04
